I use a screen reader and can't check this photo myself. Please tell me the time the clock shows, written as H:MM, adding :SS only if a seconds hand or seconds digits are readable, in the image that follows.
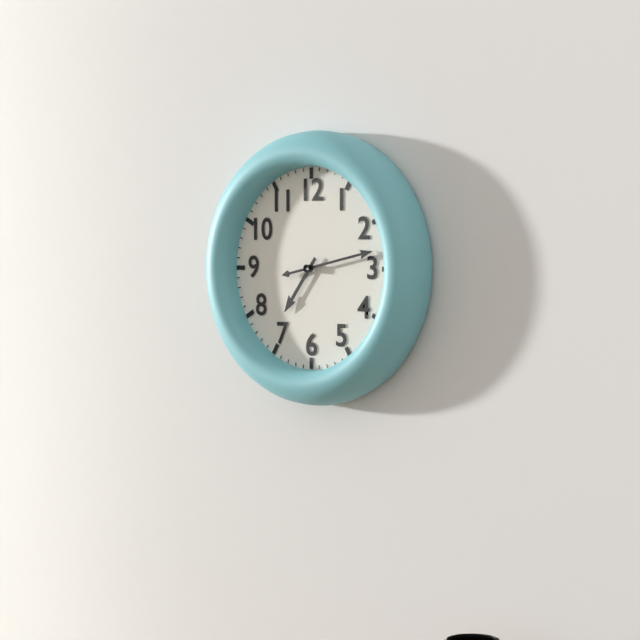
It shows 7:13
